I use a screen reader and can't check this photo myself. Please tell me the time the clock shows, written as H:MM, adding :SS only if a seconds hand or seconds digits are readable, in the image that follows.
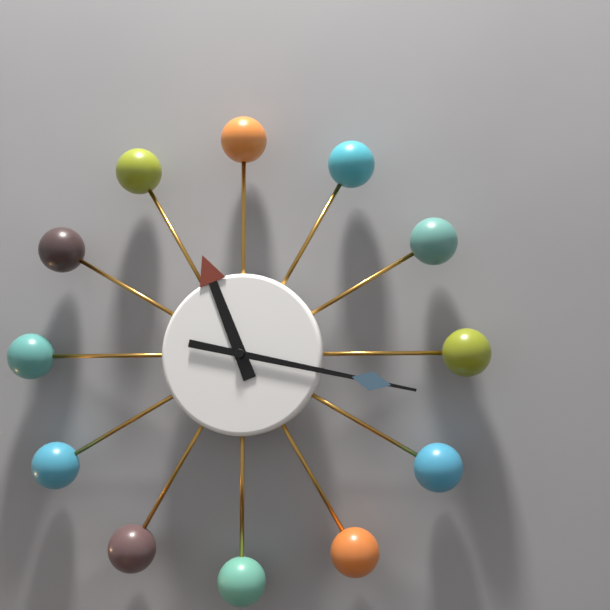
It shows 11:17
